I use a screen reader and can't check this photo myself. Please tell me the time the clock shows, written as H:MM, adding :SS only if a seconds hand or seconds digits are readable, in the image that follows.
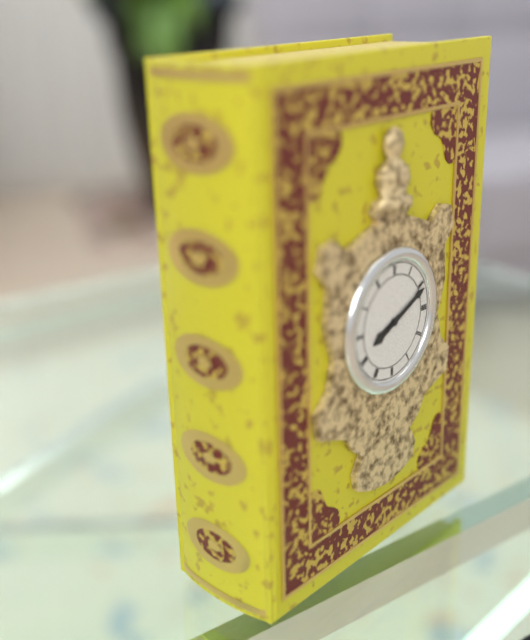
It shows 8:11
